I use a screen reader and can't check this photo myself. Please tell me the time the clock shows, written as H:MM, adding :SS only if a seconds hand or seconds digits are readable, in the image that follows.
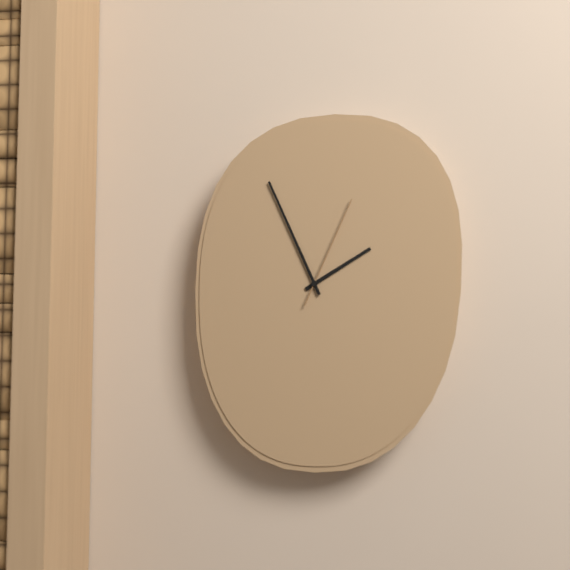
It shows 1:56:04
